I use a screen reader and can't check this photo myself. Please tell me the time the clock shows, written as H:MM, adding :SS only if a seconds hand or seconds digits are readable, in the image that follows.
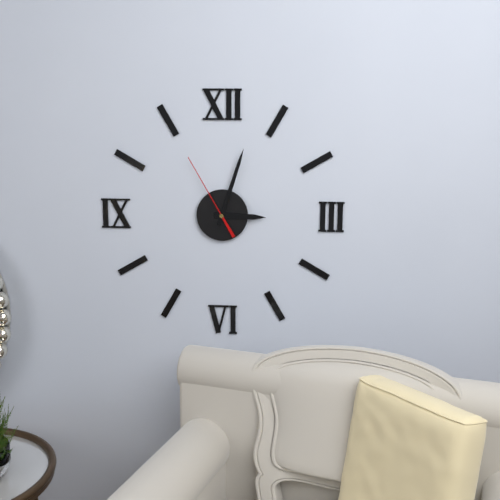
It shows 3:03:55
